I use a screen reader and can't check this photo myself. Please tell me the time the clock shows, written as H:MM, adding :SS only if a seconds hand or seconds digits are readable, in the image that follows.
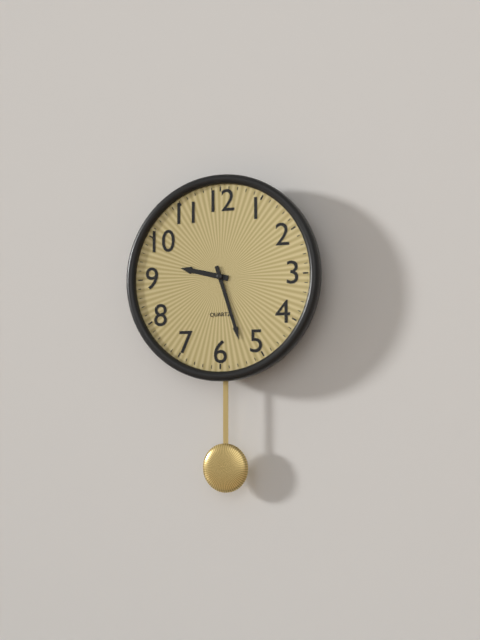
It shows 9:27
